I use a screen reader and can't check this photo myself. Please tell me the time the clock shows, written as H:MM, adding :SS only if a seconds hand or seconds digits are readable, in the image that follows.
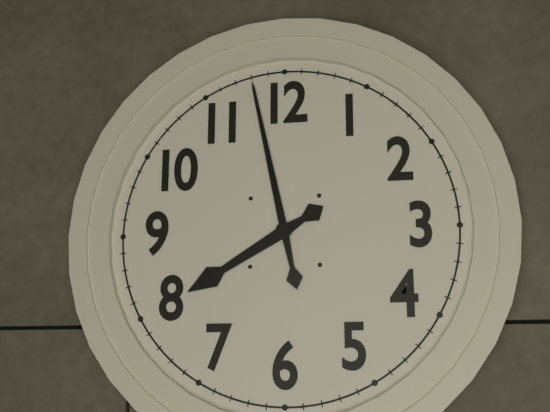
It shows 7:58
